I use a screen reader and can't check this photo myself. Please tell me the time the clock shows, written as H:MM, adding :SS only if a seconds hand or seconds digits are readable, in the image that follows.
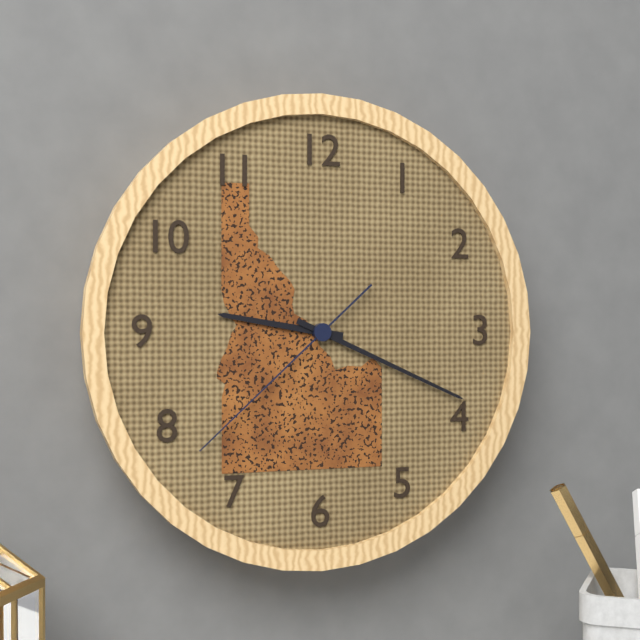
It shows 9:19:38
